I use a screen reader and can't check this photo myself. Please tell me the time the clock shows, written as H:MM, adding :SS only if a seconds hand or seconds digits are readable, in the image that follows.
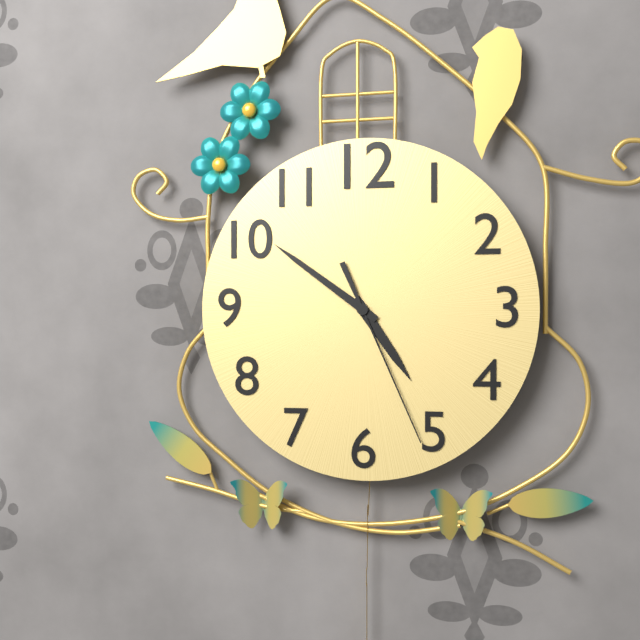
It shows 4:51:26
